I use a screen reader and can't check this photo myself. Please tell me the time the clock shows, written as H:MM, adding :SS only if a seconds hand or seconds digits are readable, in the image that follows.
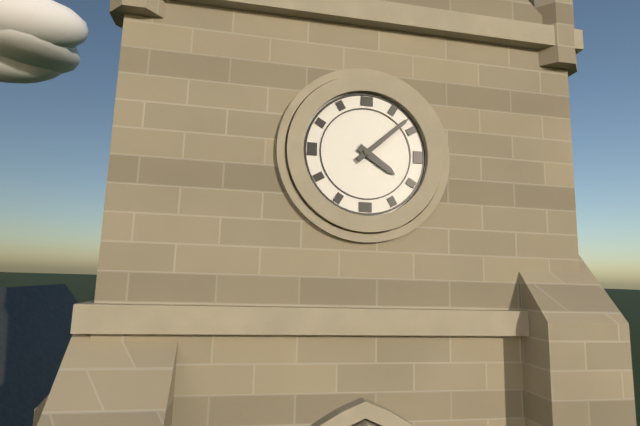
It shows 4:08
